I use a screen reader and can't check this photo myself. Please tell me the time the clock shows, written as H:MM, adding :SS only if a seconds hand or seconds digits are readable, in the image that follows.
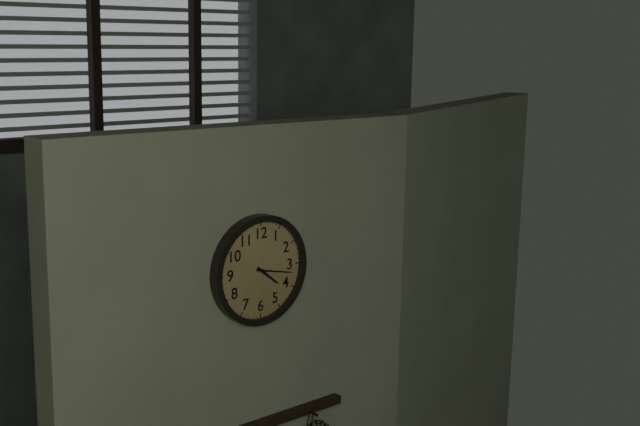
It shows 4:17
